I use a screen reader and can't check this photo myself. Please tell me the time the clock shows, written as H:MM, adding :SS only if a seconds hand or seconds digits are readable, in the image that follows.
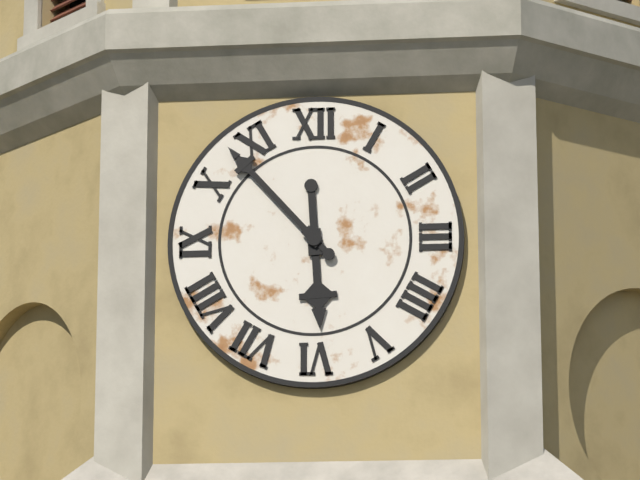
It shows 5:53
